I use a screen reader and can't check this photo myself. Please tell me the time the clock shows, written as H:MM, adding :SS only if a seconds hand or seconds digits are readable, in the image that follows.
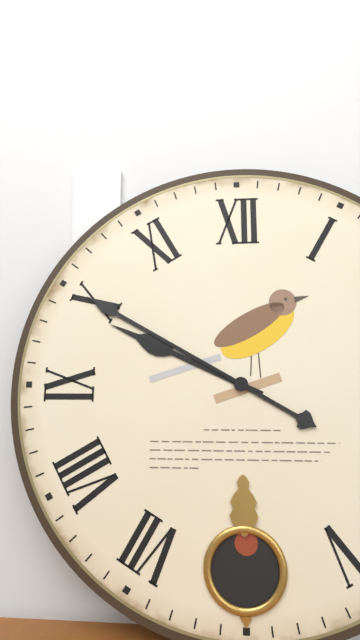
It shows 9:50
